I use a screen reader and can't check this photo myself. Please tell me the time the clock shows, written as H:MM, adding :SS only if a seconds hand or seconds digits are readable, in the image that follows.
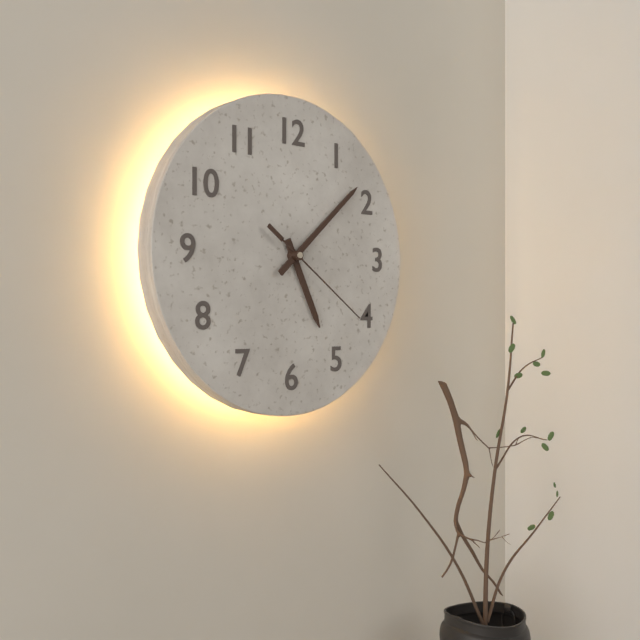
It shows 5:08:21
